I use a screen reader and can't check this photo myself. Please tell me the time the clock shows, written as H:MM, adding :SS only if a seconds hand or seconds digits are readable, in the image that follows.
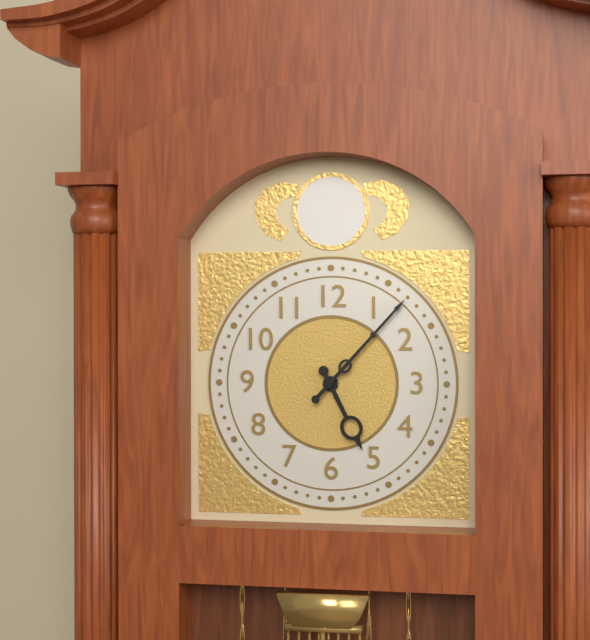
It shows 5:07
